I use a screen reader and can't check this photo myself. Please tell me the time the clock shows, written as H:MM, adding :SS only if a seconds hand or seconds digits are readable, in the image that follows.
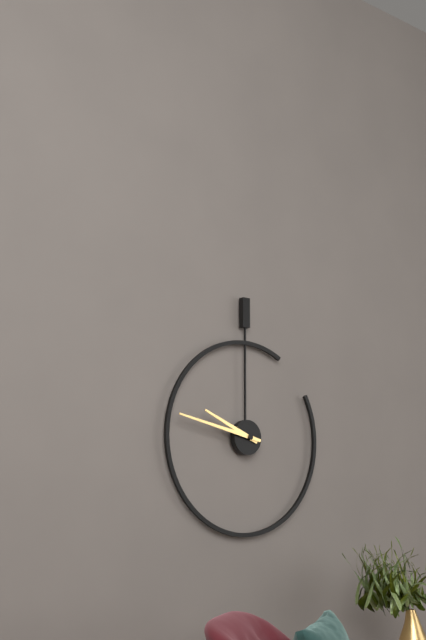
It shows 9:47
